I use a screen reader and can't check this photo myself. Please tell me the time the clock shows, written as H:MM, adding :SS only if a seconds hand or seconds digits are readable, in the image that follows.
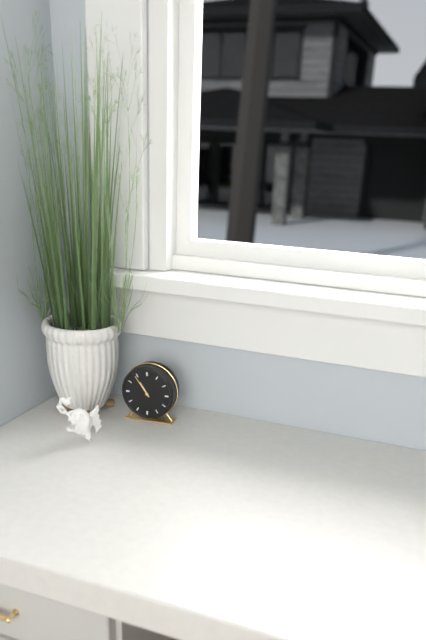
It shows 10:54
